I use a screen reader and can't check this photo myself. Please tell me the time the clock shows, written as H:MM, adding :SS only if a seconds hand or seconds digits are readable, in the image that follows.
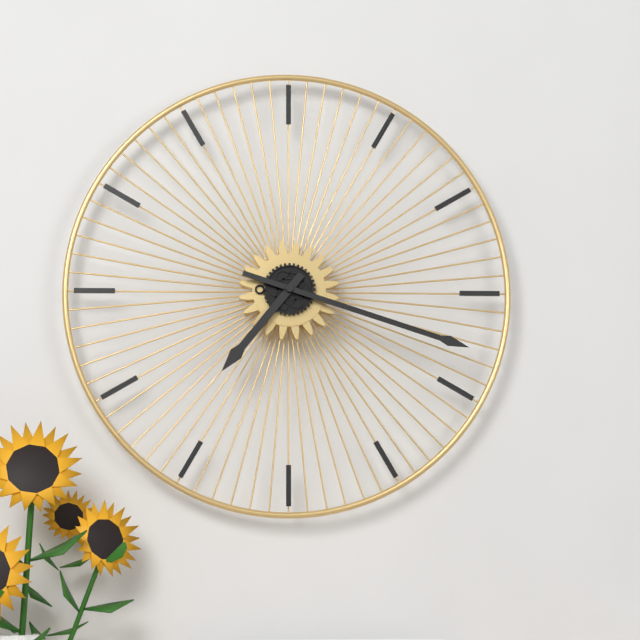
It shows 7:18
